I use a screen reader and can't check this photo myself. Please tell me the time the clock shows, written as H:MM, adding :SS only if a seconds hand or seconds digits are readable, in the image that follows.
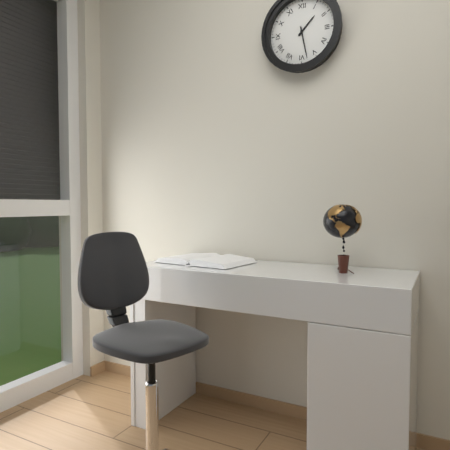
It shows 1:28
